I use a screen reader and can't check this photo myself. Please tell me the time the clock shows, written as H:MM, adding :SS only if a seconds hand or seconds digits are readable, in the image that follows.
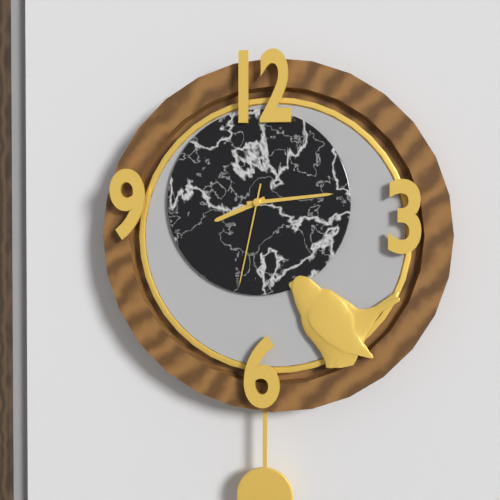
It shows 8:14:32
